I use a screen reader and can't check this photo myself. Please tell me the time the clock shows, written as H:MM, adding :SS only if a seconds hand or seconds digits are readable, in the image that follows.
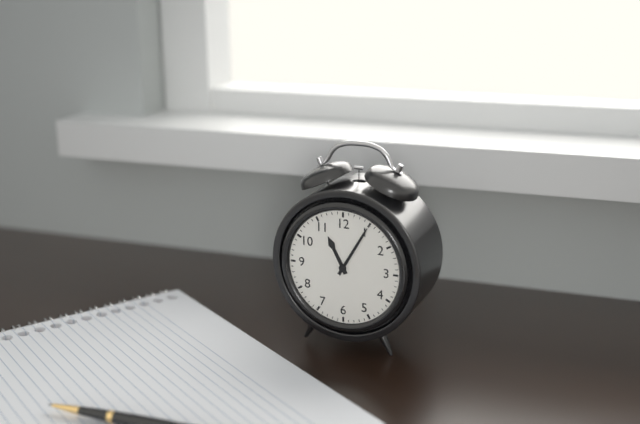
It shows 11:05
